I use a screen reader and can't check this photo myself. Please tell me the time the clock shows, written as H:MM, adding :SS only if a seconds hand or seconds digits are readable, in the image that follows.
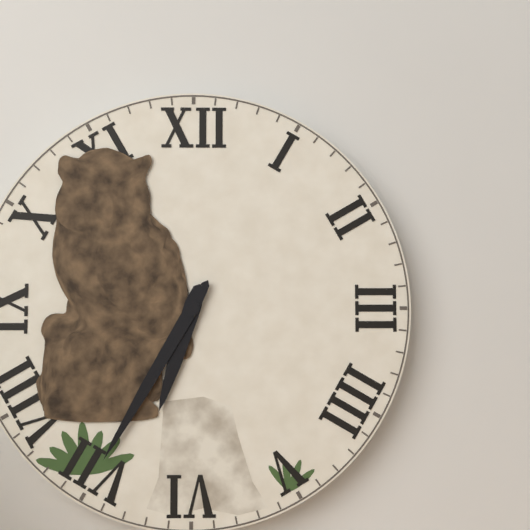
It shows 6:35
